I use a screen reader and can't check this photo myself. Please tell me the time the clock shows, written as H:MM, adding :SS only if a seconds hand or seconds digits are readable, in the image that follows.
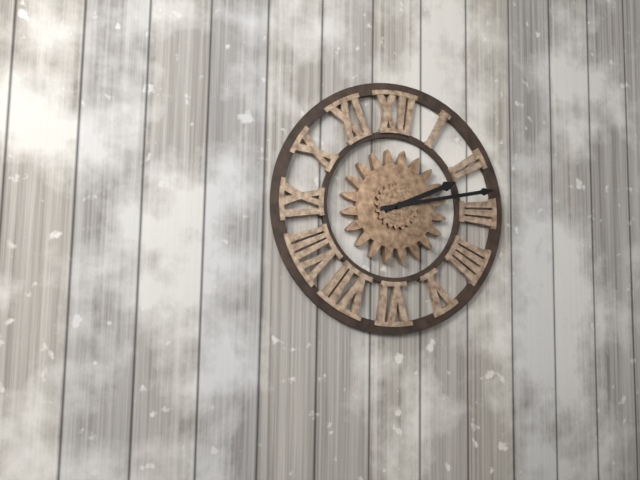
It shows 2:13
